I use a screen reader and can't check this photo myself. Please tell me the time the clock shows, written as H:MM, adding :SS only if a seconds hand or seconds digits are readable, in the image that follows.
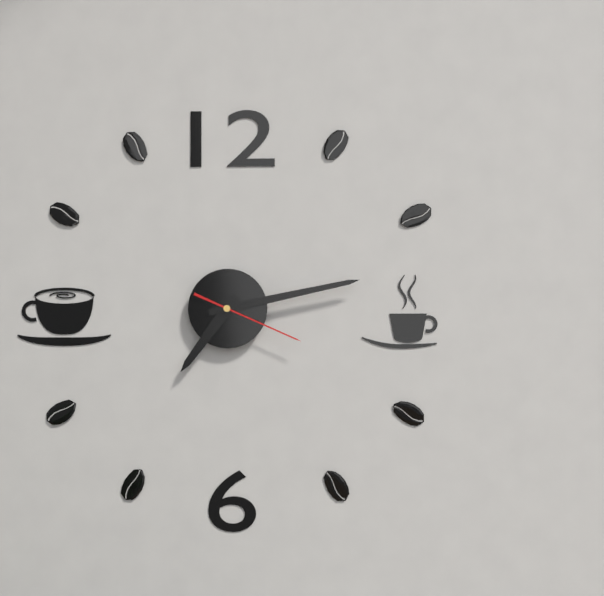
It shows 7:13:19
